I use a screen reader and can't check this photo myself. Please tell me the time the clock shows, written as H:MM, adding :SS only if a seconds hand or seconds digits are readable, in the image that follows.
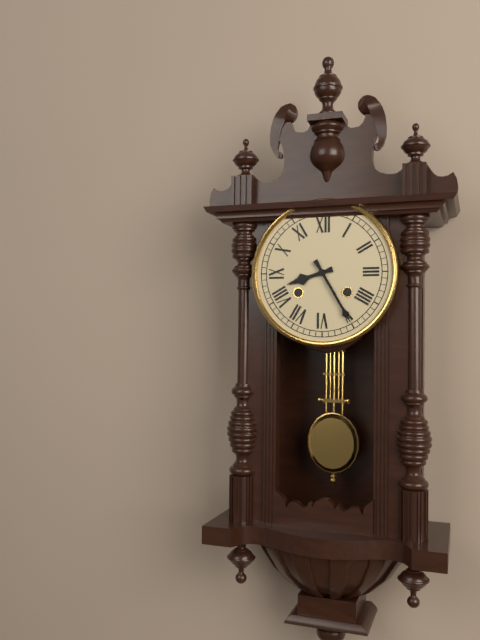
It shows 8:25
